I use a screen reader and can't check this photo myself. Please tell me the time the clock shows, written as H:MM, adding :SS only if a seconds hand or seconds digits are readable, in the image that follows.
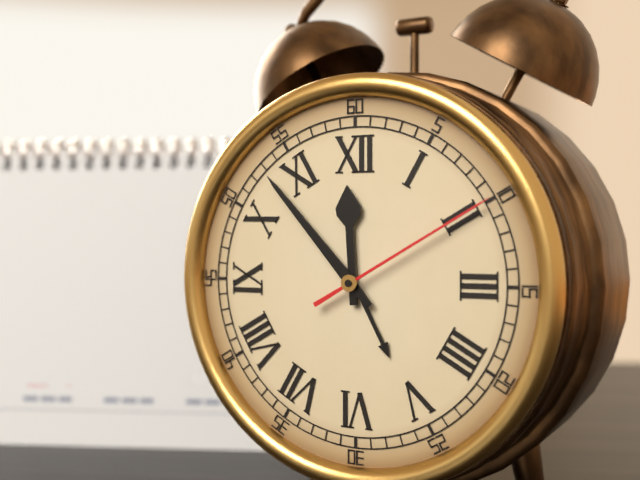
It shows 11:53:10
